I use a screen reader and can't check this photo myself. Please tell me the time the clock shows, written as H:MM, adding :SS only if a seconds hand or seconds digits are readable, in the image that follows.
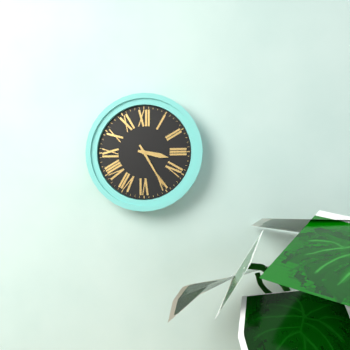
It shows 3:25
